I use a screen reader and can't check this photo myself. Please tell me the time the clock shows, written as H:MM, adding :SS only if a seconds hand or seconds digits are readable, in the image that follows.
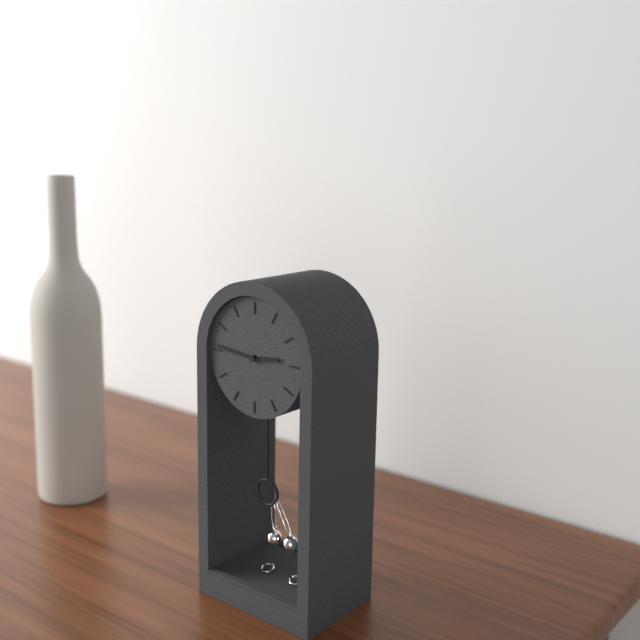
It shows 2:46
